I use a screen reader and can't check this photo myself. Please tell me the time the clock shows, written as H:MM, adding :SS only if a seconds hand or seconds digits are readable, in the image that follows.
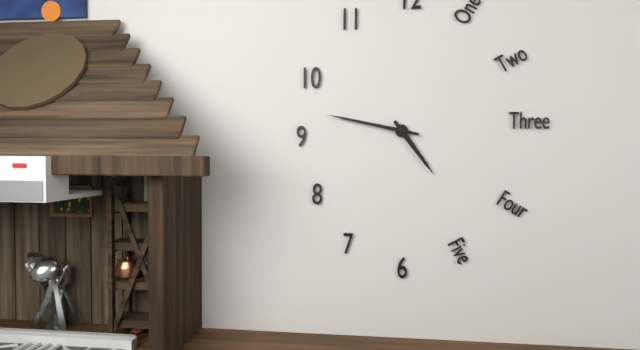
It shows 4:47
